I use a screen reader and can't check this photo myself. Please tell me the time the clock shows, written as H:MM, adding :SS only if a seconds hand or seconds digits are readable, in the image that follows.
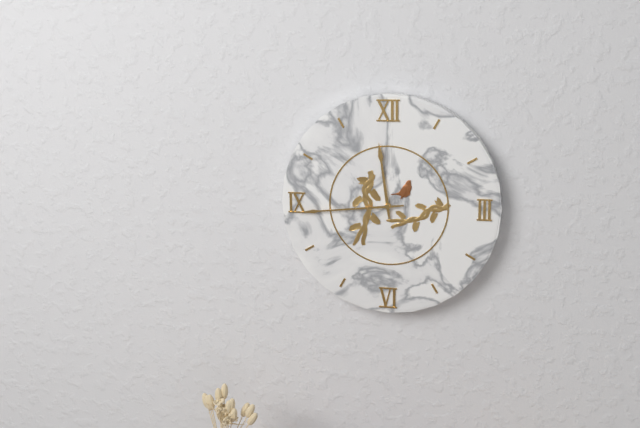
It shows 11:44
